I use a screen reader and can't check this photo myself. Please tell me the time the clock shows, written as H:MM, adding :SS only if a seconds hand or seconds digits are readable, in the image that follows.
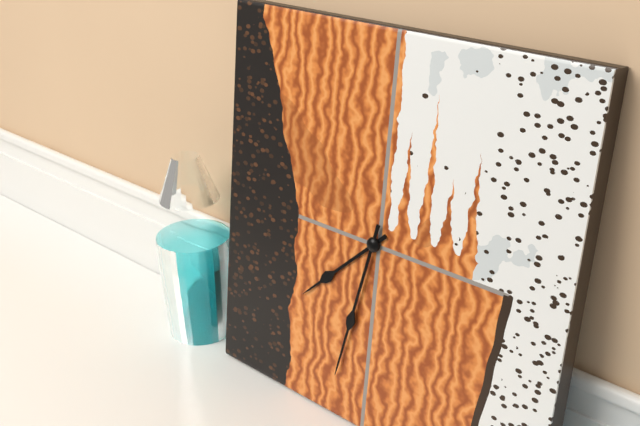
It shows 7:32
